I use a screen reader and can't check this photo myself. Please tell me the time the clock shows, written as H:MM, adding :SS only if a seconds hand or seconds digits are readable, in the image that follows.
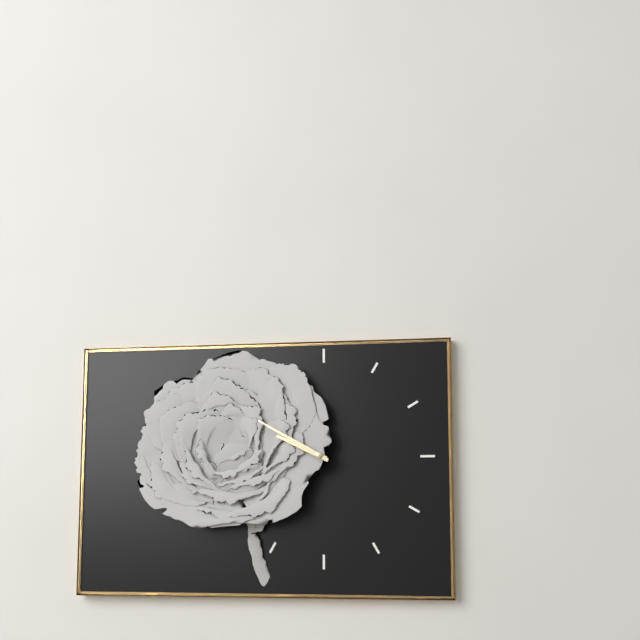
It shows 9:50
